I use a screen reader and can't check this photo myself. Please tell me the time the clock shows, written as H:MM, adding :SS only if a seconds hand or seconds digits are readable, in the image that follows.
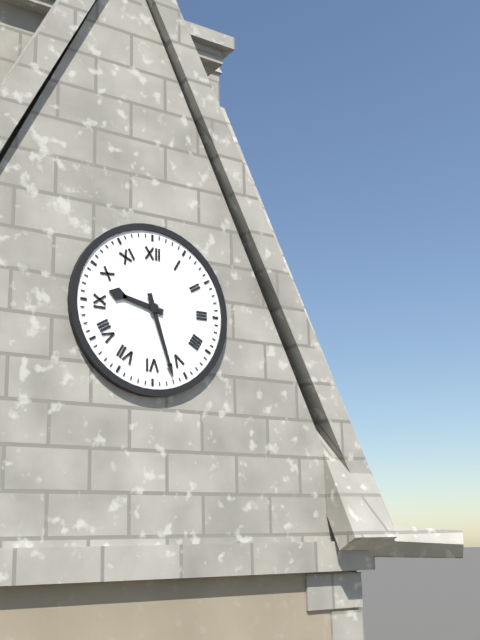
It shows 9:27
